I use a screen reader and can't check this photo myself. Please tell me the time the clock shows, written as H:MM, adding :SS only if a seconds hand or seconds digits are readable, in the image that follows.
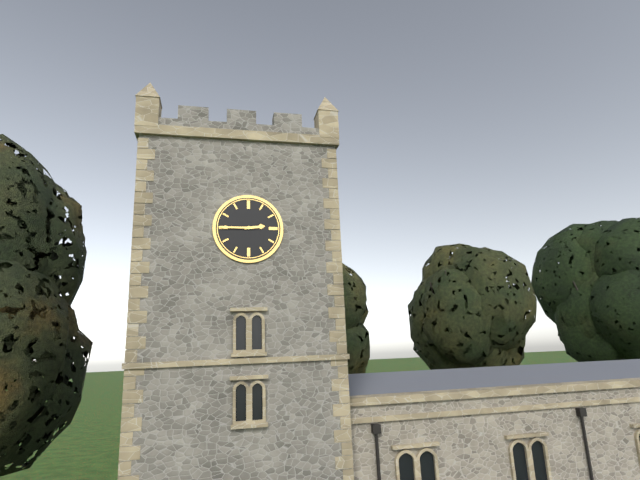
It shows 2:45
